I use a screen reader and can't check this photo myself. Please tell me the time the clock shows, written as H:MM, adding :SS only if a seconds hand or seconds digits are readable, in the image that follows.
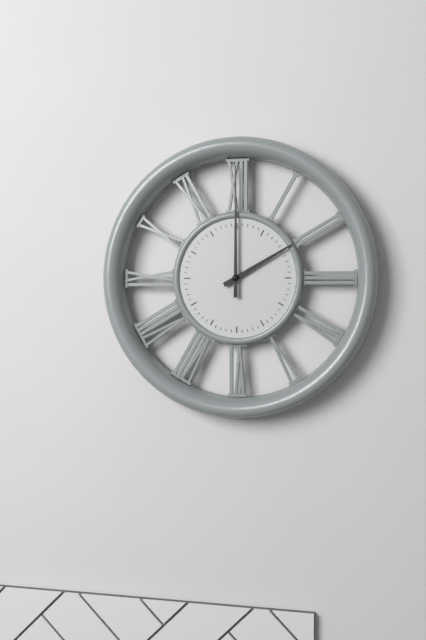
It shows 2:00
